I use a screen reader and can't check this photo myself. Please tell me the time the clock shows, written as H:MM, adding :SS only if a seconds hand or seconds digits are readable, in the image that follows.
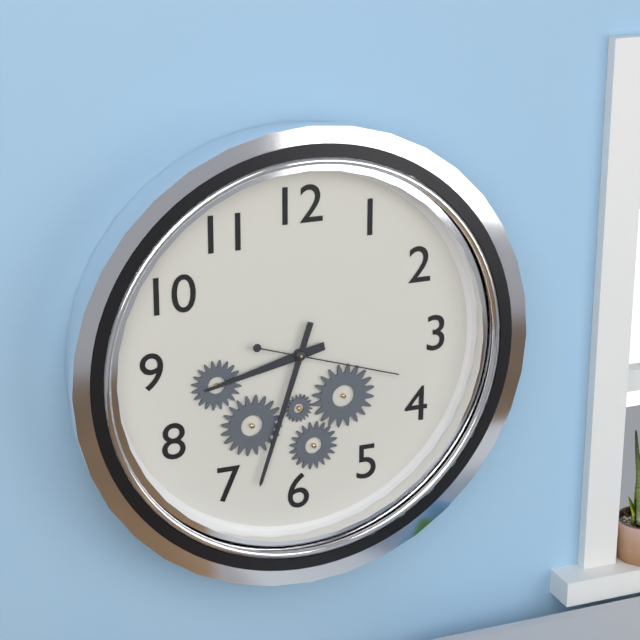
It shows 8:33:18
